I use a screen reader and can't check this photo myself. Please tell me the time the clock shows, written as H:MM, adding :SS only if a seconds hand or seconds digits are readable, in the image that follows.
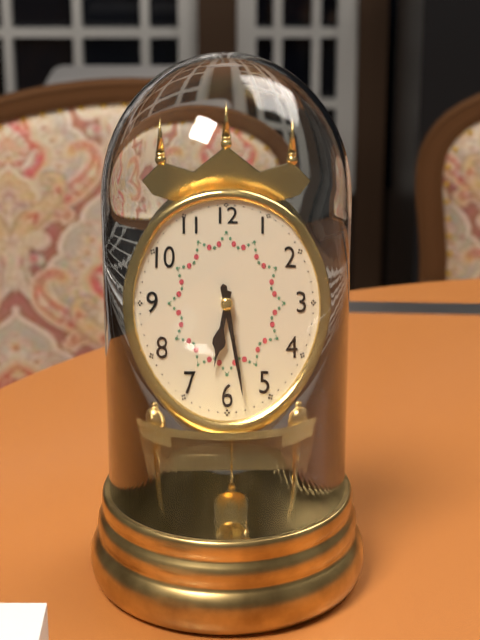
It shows 6:28
